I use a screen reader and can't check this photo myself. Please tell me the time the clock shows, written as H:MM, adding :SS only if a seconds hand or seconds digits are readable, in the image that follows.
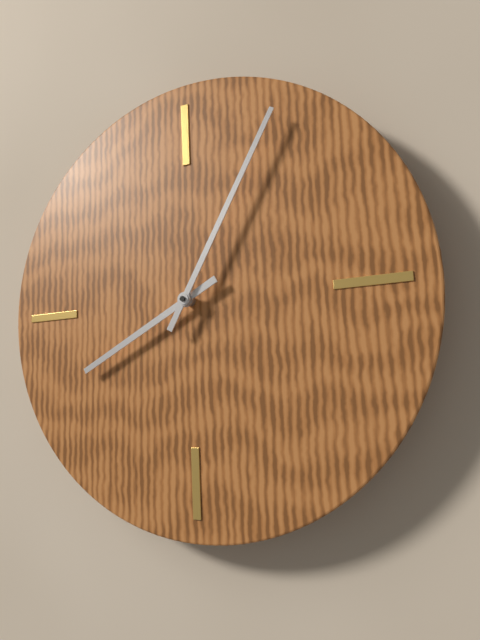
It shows 8:05
